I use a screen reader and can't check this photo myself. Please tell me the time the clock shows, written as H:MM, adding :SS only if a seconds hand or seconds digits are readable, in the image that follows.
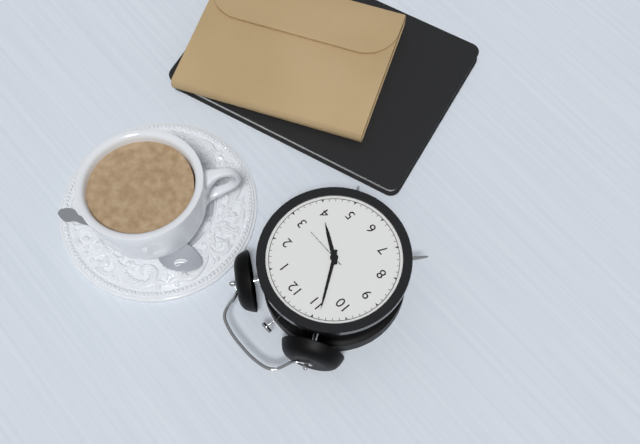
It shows 3:54
